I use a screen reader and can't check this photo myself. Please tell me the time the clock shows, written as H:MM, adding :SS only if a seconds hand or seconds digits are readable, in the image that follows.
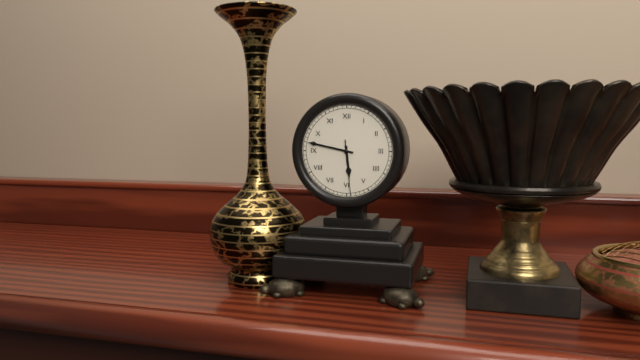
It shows 5:47:29
